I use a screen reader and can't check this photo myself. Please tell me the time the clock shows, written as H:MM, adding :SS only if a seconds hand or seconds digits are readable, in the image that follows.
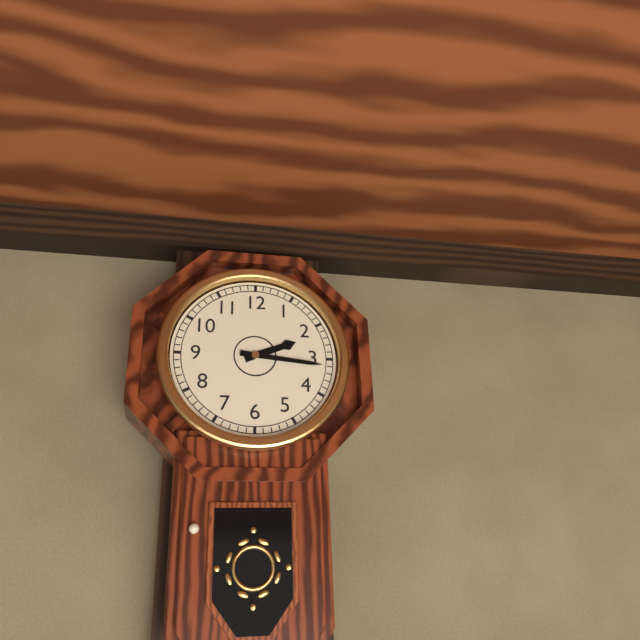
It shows 2:16
